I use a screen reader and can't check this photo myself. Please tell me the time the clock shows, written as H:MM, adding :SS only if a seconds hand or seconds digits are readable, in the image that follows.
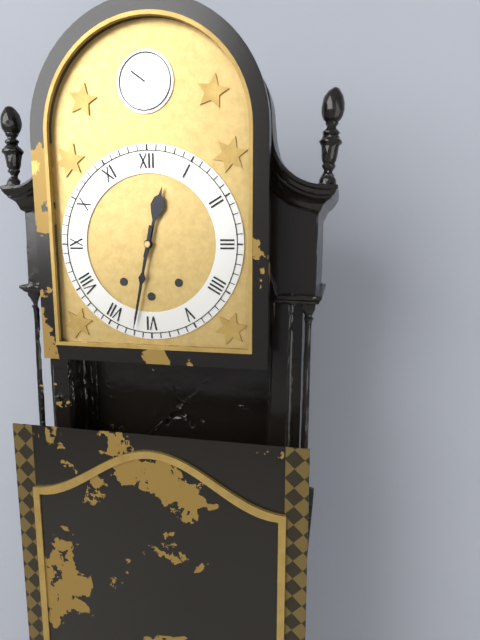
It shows 12:32
